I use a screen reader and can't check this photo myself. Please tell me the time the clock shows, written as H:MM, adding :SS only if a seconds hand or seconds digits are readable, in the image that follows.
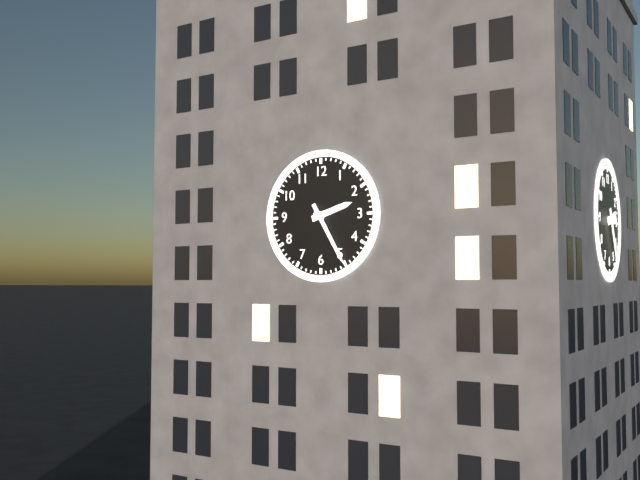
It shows 2:25
